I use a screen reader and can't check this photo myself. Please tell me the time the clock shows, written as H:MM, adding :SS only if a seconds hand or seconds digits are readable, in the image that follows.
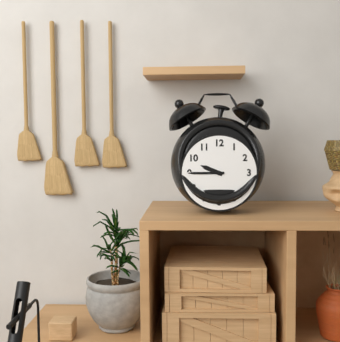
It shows 9:45
